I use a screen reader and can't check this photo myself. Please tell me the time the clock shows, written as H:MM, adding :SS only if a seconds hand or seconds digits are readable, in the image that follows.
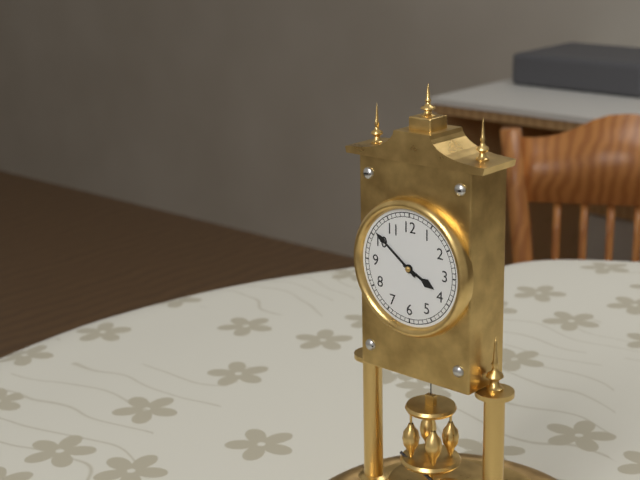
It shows 3:51
